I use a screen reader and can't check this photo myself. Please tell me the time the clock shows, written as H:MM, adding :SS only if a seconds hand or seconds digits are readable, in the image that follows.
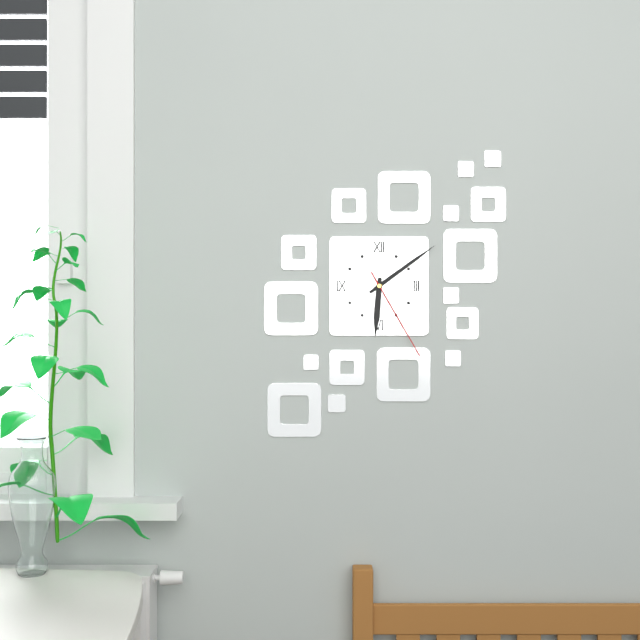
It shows 6:09:25
